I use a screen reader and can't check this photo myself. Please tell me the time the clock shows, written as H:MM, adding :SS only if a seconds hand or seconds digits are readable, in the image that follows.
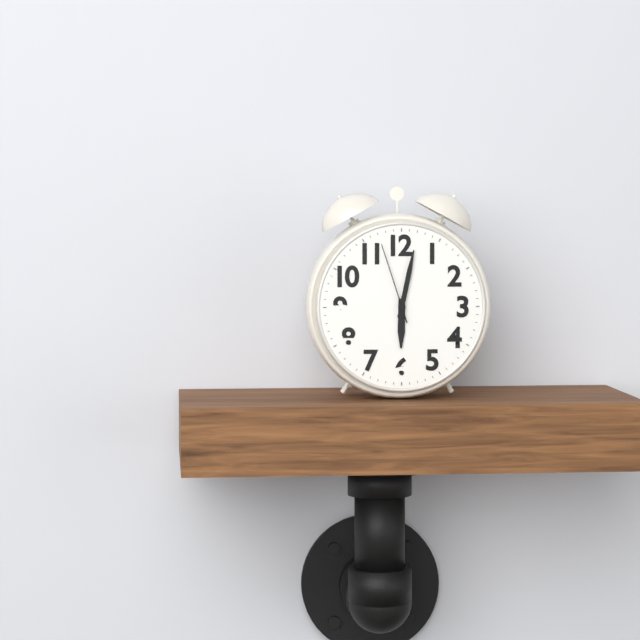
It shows 6:02:57
